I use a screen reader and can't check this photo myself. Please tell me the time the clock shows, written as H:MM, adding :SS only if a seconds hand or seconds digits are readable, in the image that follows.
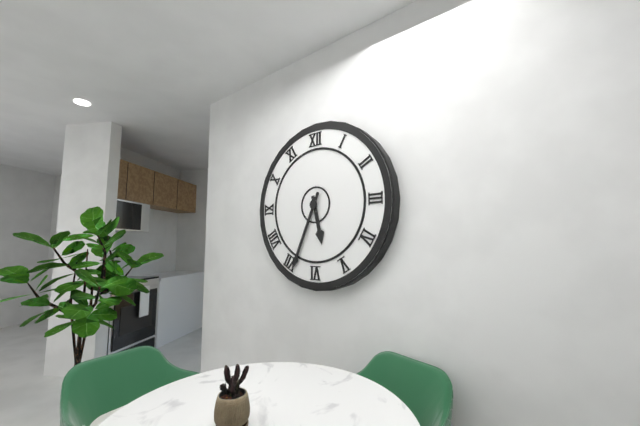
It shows 5:34
